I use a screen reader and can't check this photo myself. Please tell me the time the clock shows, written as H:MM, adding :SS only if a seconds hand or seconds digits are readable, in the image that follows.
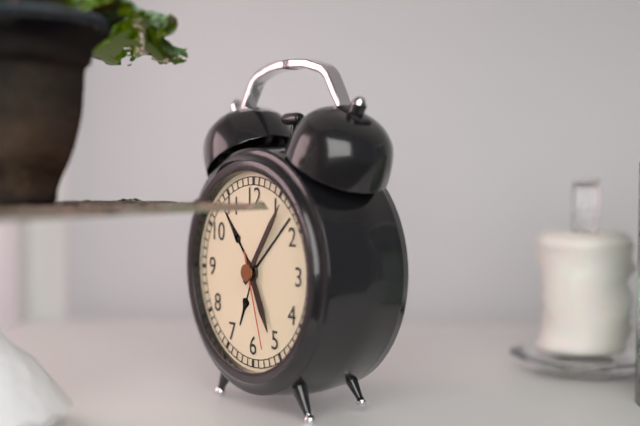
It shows 5:06:27
